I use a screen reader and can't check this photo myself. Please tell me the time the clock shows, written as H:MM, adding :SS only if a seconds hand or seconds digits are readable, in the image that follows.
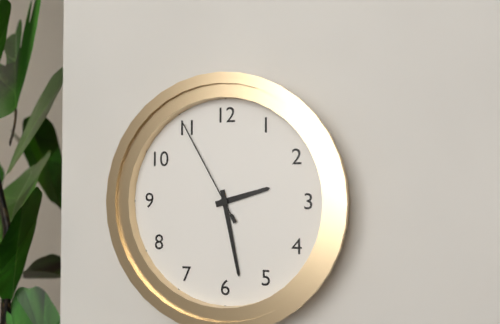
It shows 2:28:55
